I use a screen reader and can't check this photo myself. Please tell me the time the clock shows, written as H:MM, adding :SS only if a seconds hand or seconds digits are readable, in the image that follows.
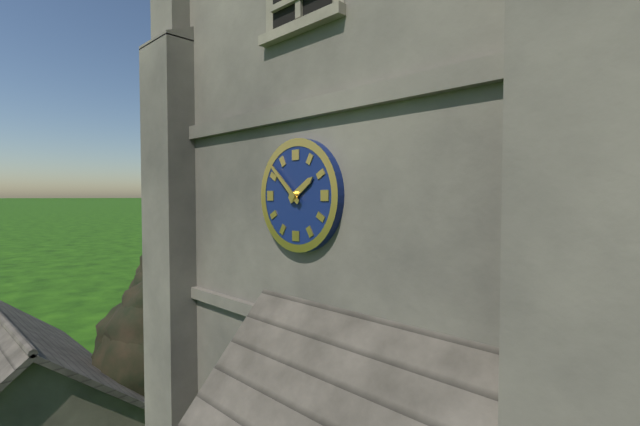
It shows 1:52
